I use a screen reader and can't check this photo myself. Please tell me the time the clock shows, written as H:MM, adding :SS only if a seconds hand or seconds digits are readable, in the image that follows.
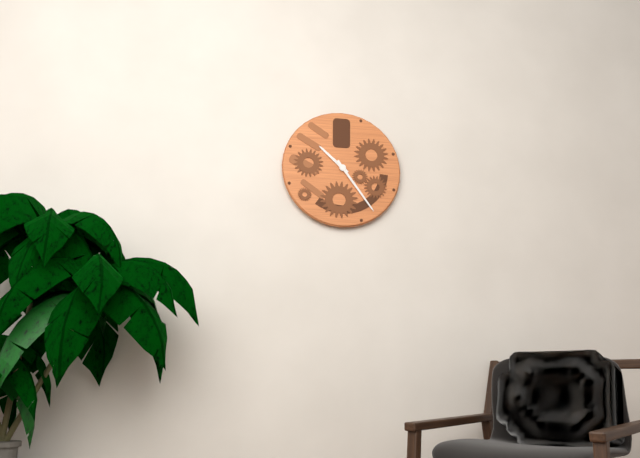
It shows 10:24
